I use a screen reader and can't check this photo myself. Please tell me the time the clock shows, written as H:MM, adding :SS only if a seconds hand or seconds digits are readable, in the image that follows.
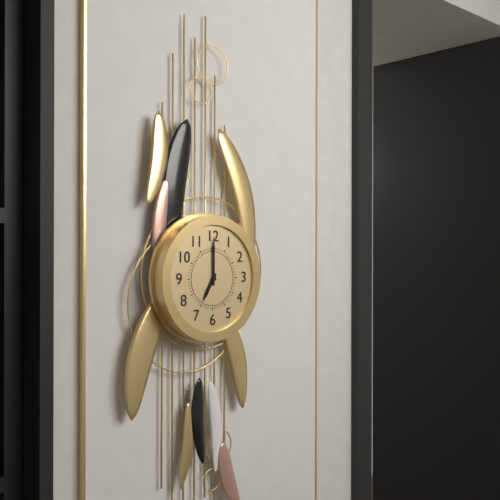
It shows 7:00
